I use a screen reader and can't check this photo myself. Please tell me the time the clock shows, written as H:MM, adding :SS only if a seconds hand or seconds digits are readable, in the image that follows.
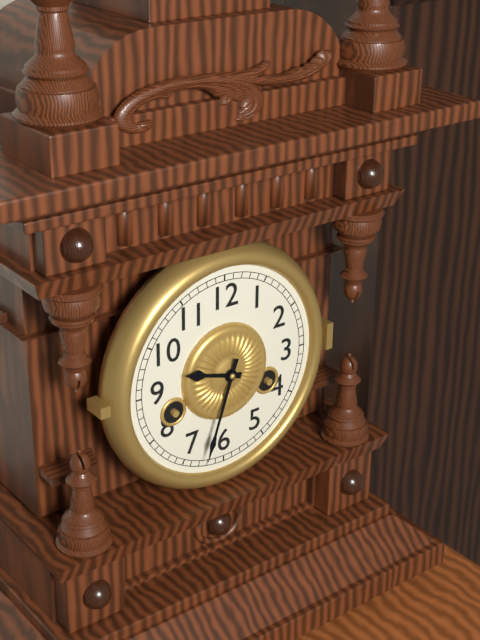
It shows 9:33
